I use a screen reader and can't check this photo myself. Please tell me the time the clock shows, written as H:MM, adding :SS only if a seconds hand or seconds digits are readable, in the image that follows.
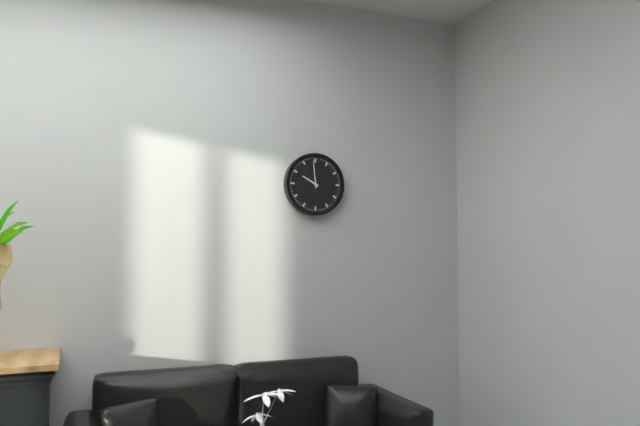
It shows 9:59
